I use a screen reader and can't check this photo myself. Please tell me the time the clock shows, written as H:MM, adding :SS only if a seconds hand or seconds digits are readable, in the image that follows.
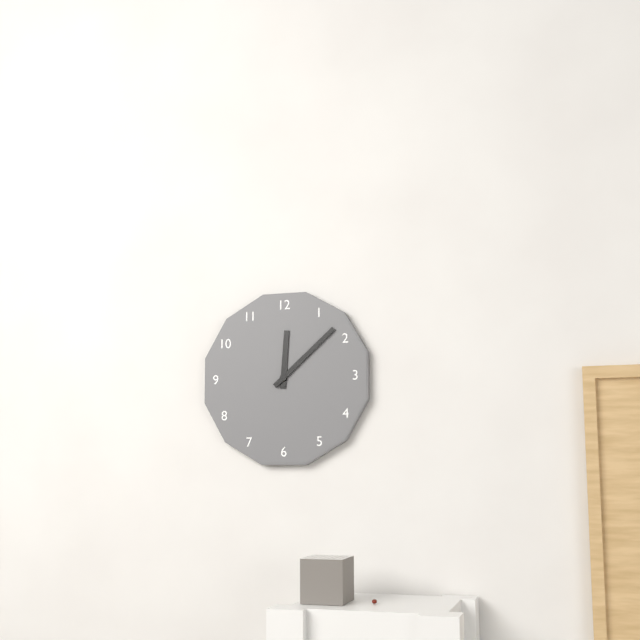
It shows 12:08
